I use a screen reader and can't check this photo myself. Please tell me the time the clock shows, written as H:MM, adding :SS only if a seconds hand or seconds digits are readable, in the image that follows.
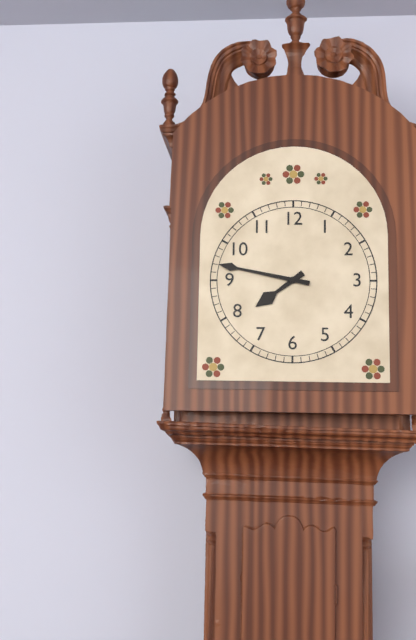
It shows 7:47
